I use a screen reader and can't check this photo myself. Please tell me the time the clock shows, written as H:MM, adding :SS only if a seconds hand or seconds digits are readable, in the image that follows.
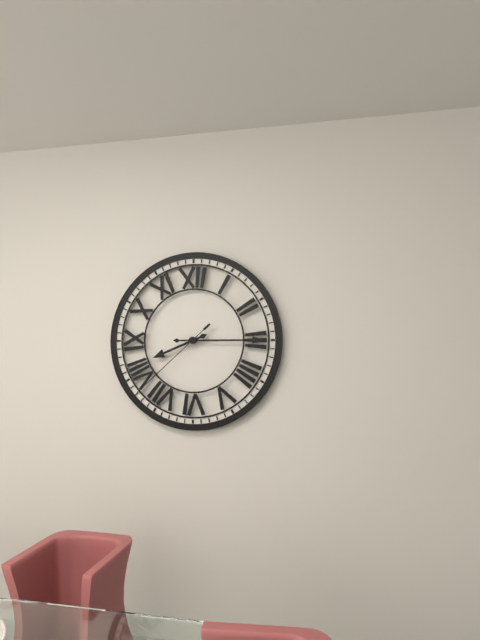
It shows 8:15:38
